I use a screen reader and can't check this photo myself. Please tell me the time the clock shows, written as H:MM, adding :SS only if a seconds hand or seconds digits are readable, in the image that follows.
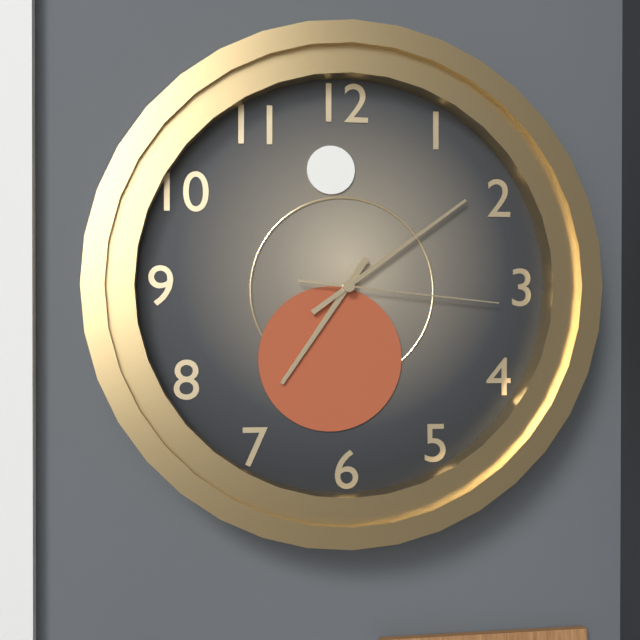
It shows 7:09:16
